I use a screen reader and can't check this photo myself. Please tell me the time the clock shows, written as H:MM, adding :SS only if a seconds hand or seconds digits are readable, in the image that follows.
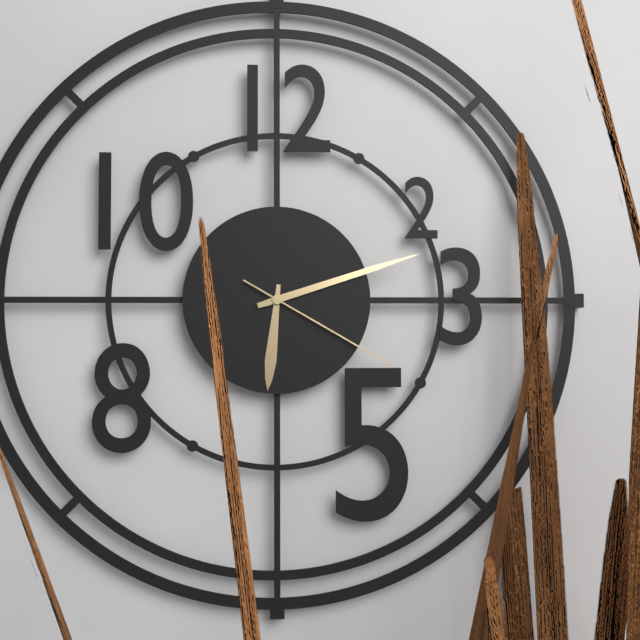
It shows 6:12:20
